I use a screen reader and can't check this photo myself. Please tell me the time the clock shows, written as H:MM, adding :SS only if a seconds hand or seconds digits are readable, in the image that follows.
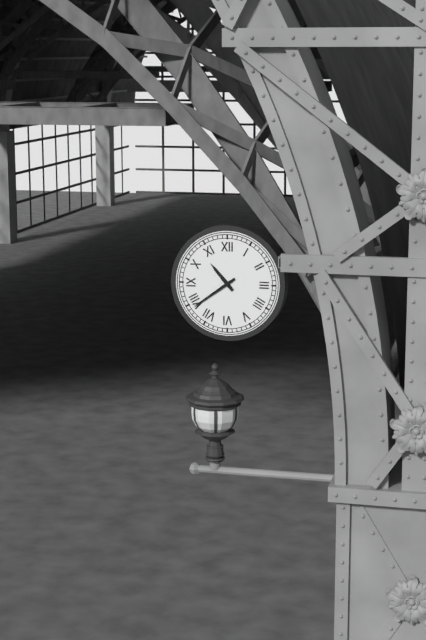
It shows 10:39
